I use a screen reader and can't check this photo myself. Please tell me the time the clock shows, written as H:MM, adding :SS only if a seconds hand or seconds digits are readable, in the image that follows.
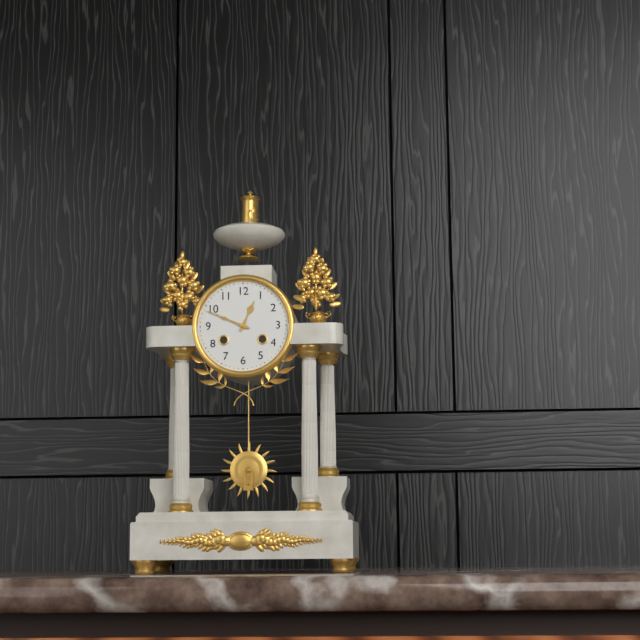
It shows 12:49
